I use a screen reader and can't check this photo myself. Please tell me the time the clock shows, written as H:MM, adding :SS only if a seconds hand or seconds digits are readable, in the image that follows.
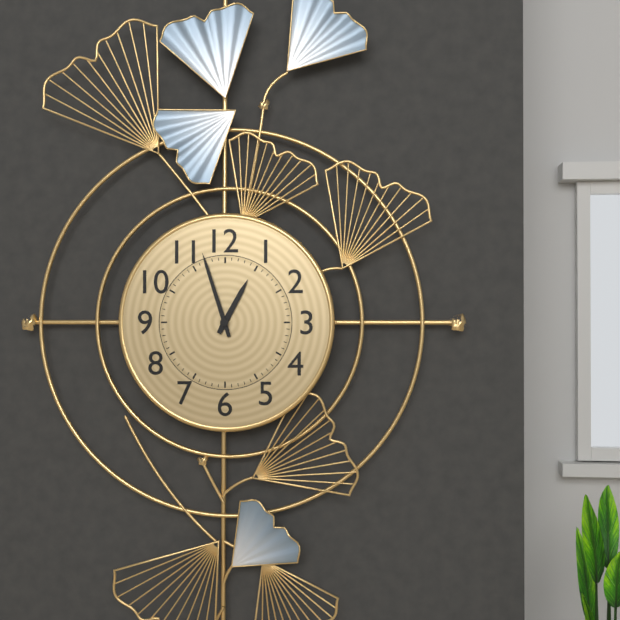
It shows 12:57
